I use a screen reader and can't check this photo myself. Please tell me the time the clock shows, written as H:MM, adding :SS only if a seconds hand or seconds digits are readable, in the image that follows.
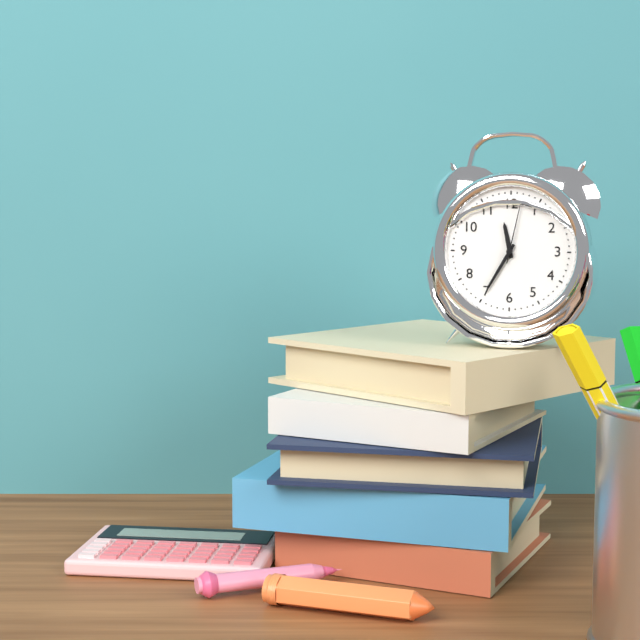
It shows 11:35:02
